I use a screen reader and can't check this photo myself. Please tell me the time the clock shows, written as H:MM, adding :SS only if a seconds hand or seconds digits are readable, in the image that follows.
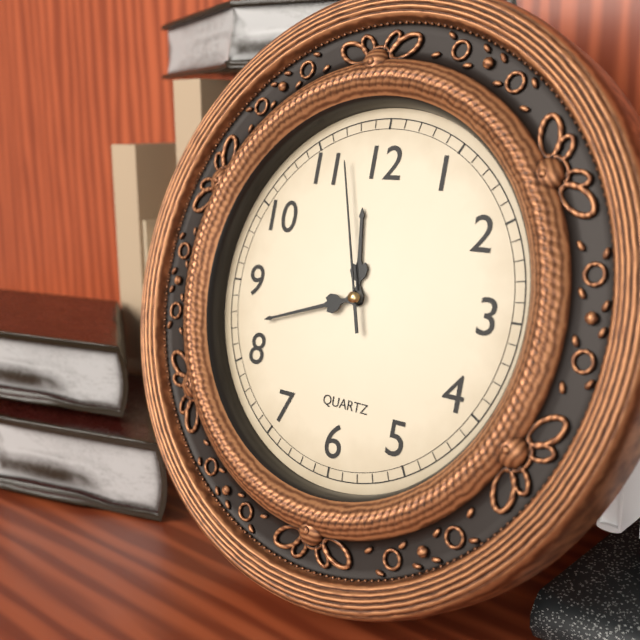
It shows 11:42:57
